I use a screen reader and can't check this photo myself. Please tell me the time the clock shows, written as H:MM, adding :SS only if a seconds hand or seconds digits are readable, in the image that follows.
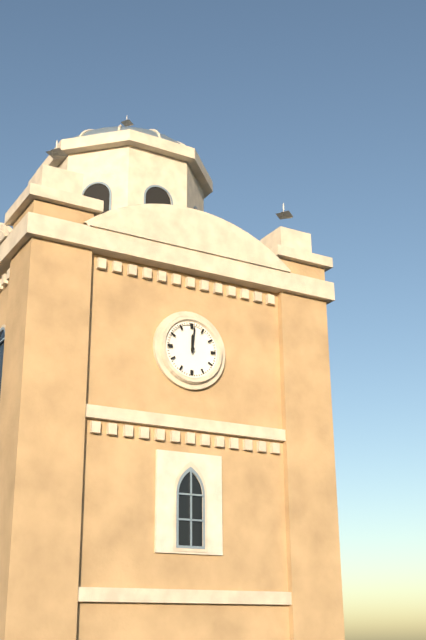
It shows 12:01
